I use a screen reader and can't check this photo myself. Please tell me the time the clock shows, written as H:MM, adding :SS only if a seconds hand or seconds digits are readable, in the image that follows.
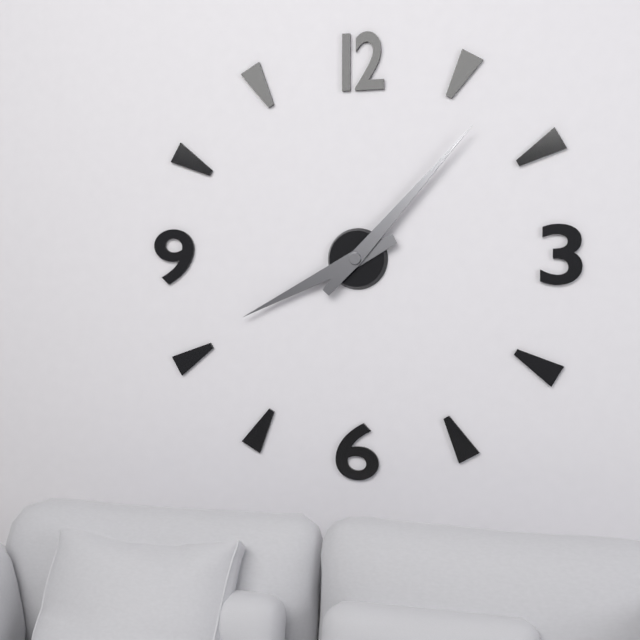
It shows 8:07
